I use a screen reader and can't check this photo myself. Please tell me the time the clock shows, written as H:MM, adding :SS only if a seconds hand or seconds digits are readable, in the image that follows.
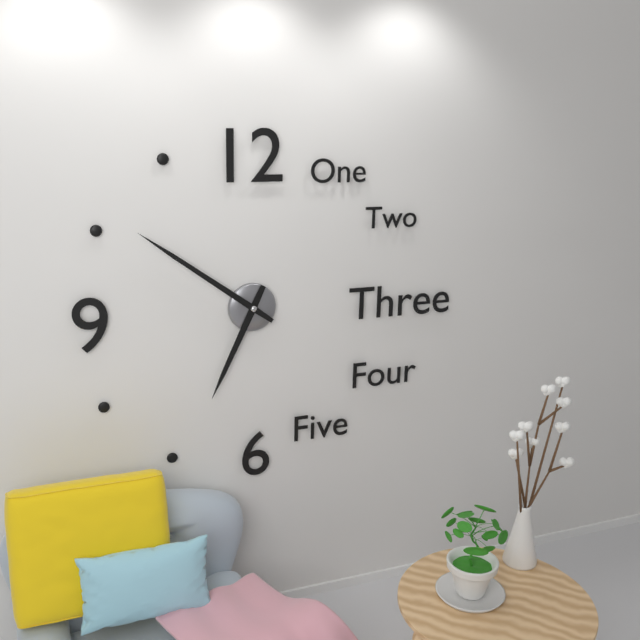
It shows 6:51
